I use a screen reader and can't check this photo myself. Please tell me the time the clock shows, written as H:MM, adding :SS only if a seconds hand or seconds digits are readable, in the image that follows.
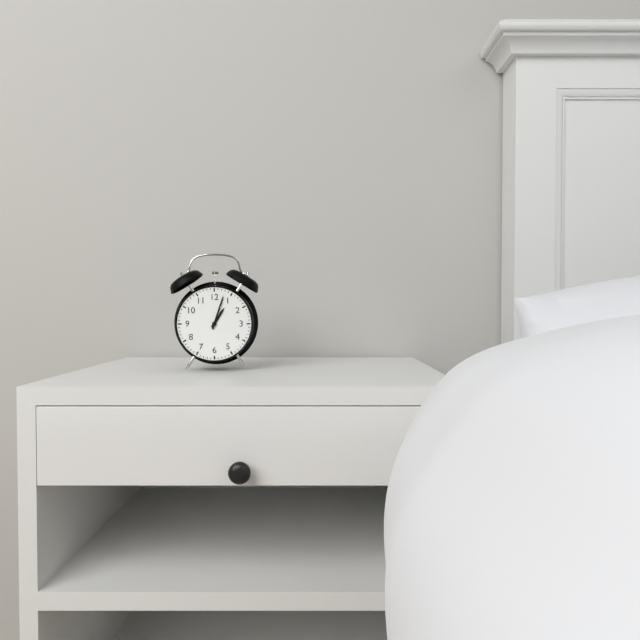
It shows 1:03
